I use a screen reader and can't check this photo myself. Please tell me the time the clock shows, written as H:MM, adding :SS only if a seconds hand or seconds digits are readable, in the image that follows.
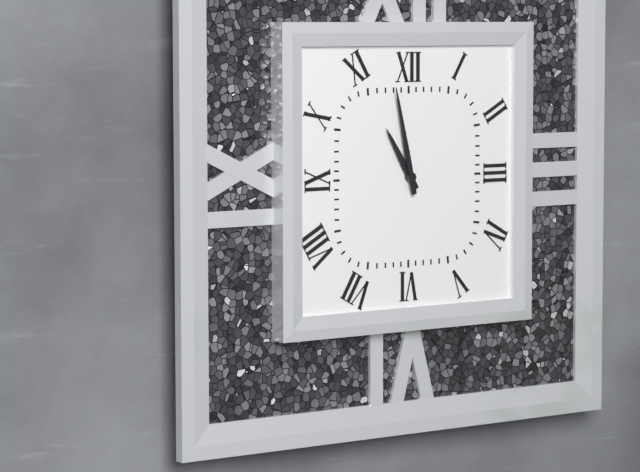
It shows 10:58
